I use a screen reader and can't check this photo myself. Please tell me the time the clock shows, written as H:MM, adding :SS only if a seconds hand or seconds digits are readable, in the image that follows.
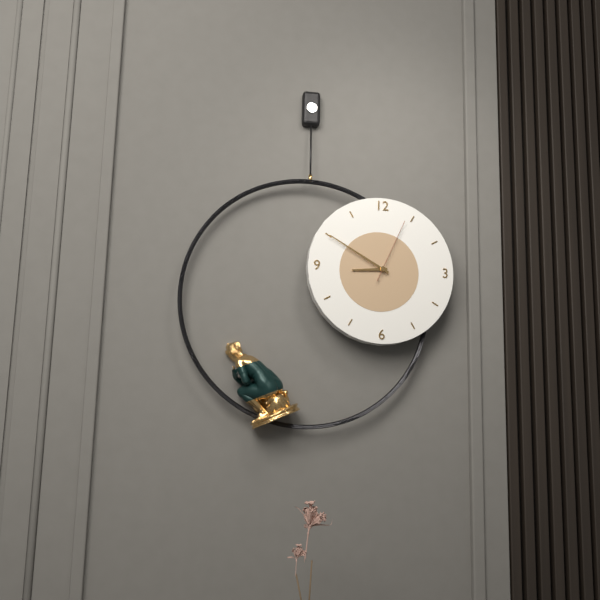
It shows 8:50:04
